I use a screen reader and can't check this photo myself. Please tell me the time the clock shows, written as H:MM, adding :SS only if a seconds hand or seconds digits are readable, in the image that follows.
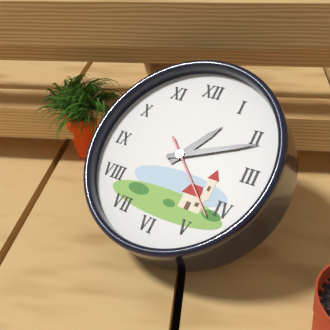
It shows 1:11:22
